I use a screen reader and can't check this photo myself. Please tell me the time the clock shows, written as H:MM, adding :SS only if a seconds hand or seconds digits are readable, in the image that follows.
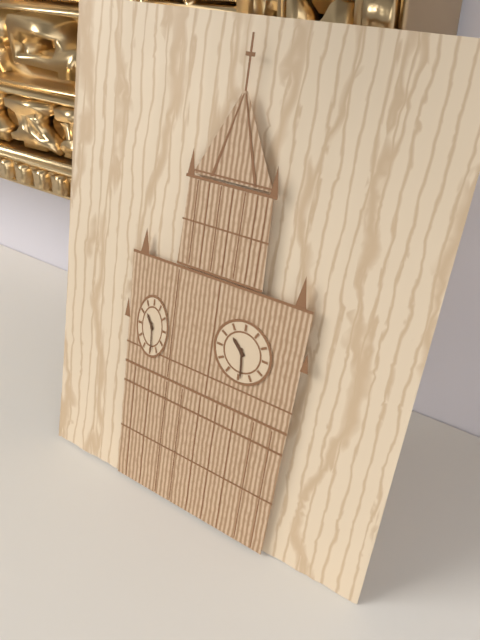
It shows 10:29
